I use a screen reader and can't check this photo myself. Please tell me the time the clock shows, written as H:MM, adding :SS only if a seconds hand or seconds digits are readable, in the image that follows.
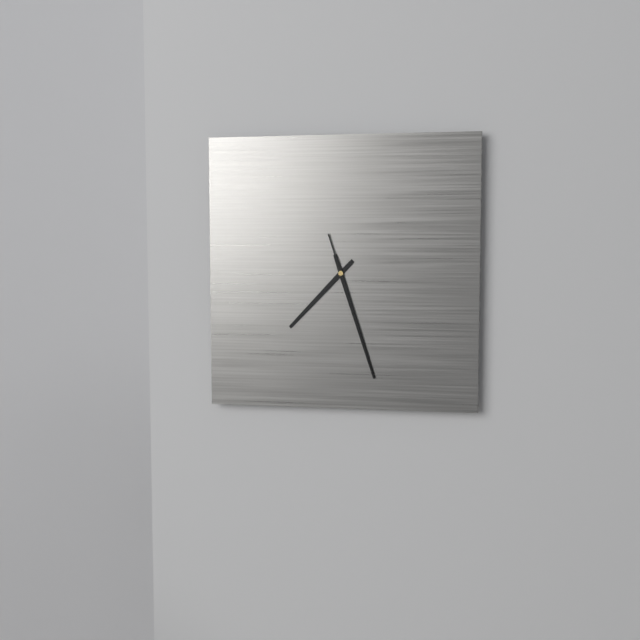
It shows 7:27:27
